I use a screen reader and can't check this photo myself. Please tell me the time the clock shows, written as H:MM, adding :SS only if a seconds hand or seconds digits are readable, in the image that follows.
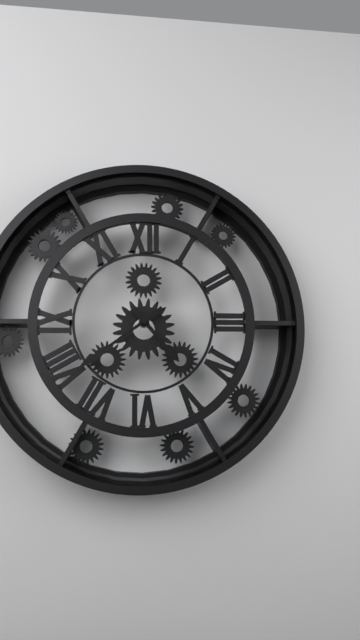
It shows 4:39
